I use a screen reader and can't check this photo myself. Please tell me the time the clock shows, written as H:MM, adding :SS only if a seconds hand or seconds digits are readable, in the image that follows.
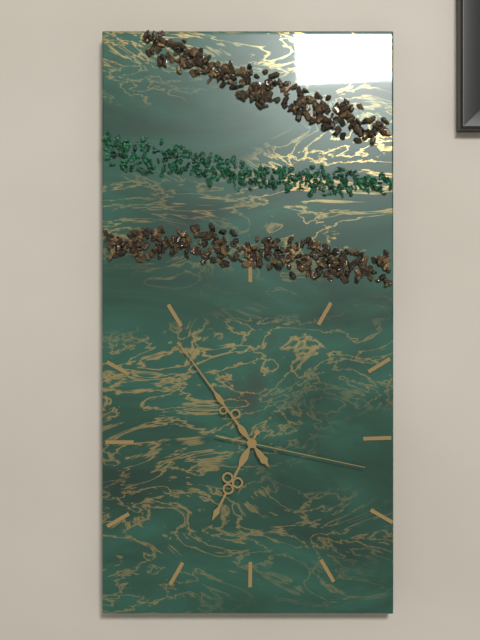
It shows 6:54:17
